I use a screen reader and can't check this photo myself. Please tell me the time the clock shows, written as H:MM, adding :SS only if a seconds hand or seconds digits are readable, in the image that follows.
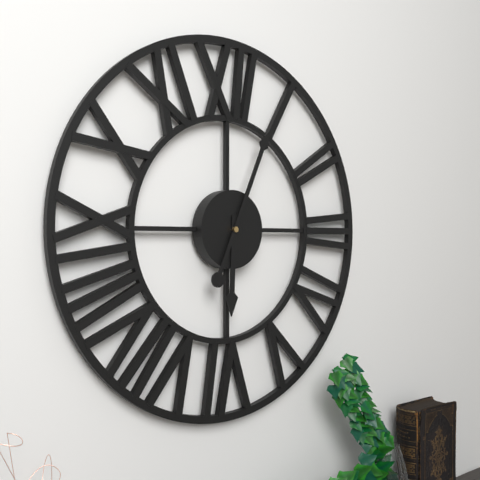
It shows 6:04
